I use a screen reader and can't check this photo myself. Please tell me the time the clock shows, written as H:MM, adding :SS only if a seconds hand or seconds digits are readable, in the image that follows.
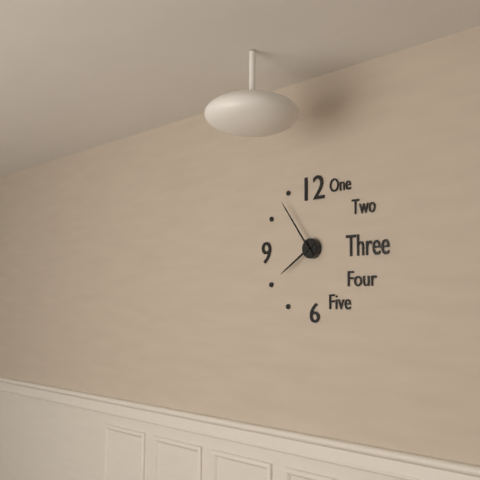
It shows 7:54
